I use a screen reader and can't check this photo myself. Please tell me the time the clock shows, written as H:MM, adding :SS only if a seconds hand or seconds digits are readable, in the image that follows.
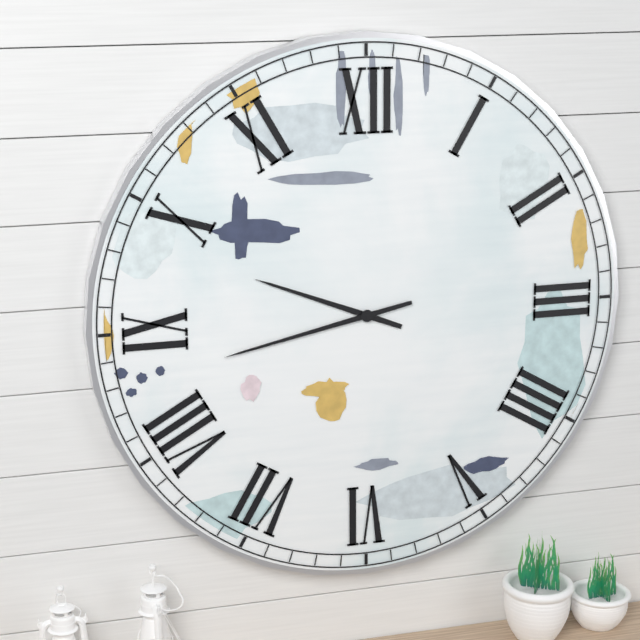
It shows 9:43
